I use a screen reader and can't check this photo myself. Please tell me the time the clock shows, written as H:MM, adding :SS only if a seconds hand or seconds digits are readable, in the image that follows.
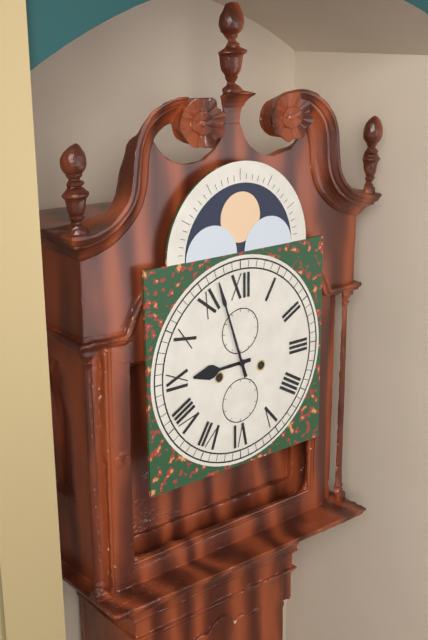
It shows 8:57
